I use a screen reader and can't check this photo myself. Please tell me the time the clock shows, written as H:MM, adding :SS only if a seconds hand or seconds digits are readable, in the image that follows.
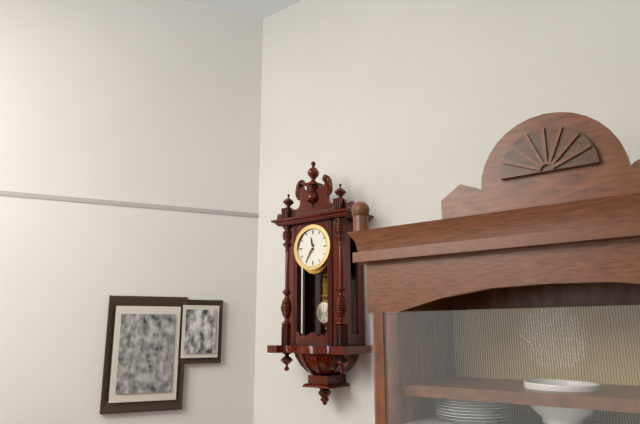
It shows 11:35
